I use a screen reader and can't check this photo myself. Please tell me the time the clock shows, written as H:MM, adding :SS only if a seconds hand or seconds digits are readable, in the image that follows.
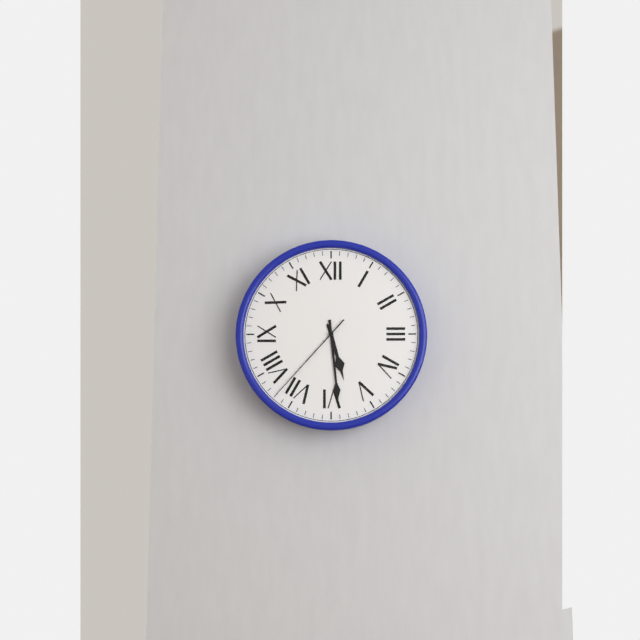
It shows 5:29:37
